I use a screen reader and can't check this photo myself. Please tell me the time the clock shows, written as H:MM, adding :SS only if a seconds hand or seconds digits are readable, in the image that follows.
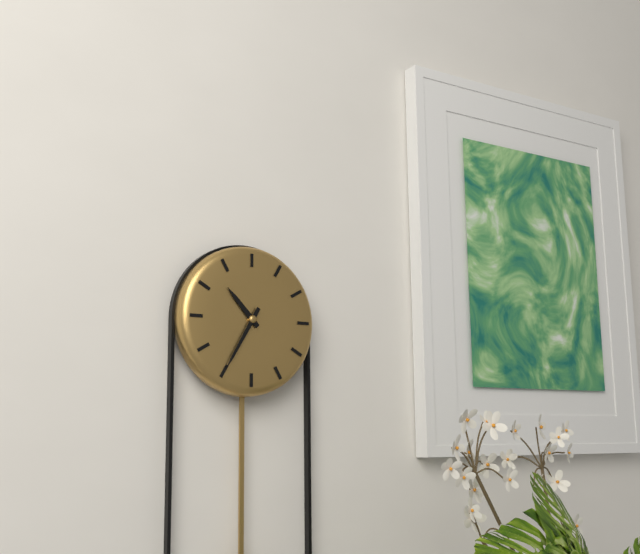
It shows 10:35
